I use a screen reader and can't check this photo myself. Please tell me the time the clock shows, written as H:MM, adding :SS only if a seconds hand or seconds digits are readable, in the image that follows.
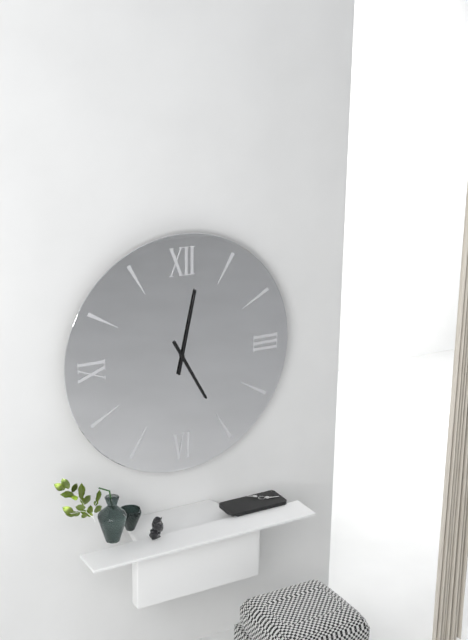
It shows 5:02
